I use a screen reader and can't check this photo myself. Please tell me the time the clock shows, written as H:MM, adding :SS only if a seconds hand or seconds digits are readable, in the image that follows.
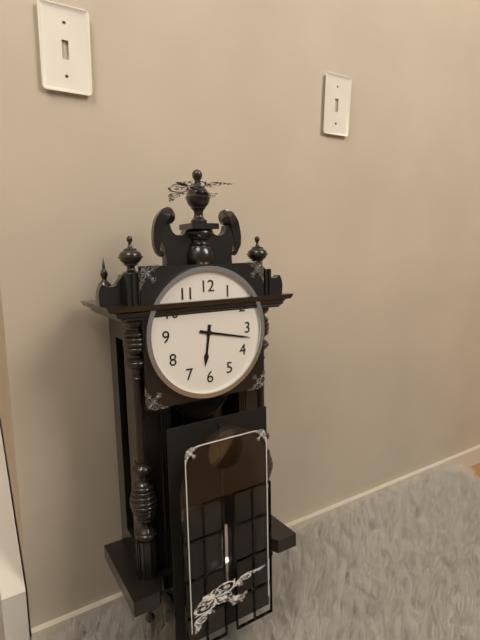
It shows 6:17
